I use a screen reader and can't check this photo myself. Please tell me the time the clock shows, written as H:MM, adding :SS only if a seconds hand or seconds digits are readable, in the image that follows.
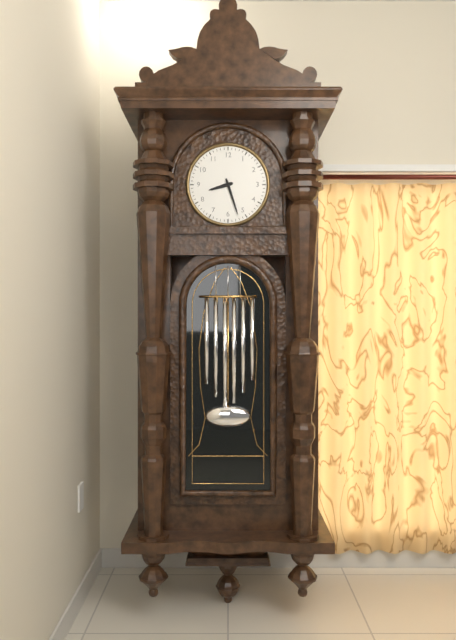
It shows 8:27
